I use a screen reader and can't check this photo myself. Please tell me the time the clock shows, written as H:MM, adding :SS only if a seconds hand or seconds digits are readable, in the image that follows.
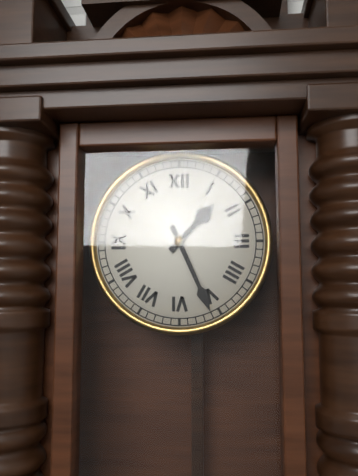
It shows 1:26
